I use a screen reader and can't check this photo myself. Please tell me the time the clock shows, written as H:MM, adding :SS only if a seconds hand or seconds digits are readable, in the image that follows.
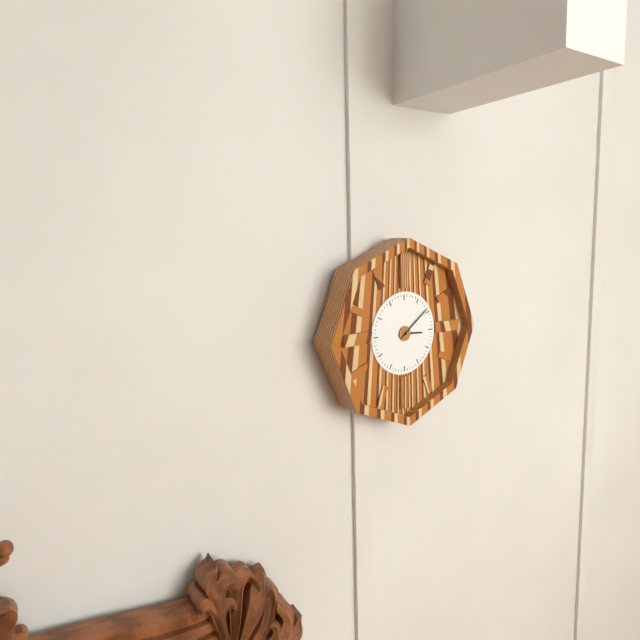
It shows 3:09
